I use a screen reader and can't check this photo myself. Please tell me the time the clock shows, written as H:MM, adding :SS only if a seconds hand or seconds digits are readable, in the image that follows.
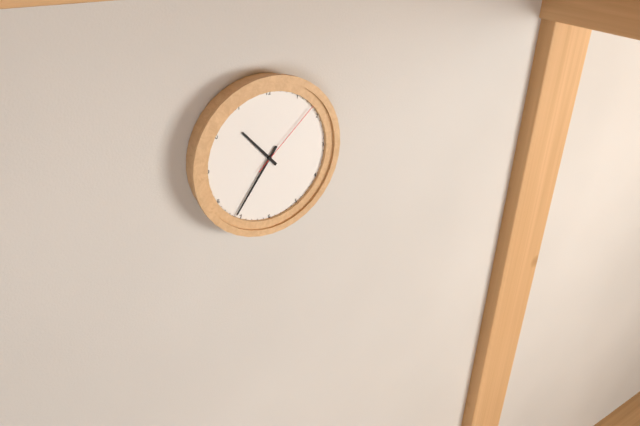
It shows 10:36:08
